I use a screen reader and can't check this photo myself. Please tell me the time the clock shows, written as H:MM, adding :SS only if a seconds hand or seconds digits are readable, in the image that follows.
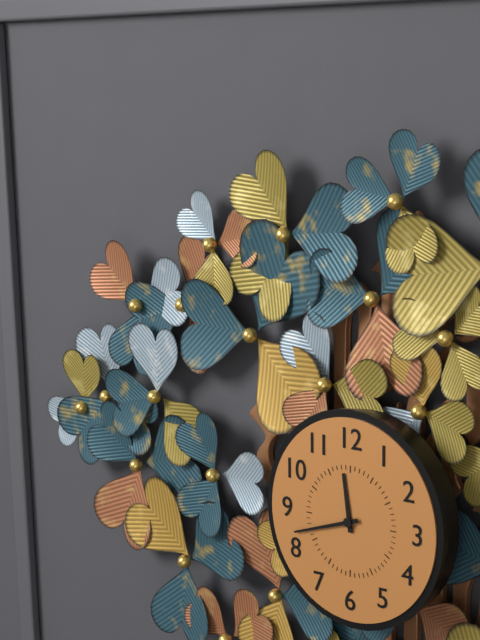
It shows 11:42
